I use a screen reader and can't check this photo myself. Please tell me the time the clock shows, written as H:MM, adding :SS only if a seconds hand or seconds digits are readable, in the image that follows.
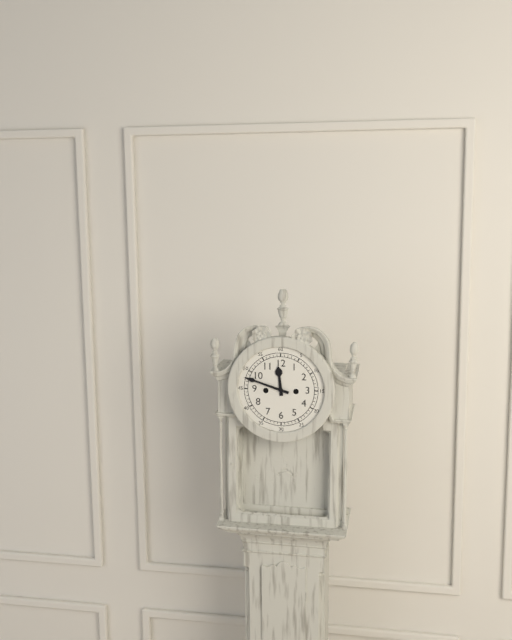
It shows 11:48
